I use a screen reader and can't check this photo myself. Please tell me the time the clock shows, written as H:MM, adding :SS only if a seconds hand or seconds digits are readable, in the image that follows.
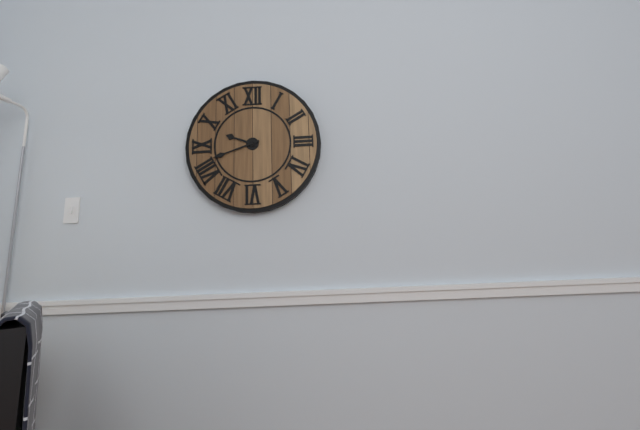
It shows 9:42
